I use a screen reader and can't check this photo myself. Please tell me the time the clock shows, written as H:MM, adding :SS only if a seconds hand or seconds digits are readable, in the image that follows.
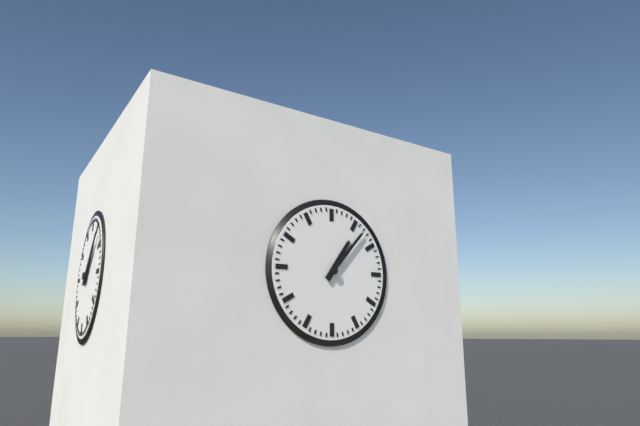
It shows 1:07
